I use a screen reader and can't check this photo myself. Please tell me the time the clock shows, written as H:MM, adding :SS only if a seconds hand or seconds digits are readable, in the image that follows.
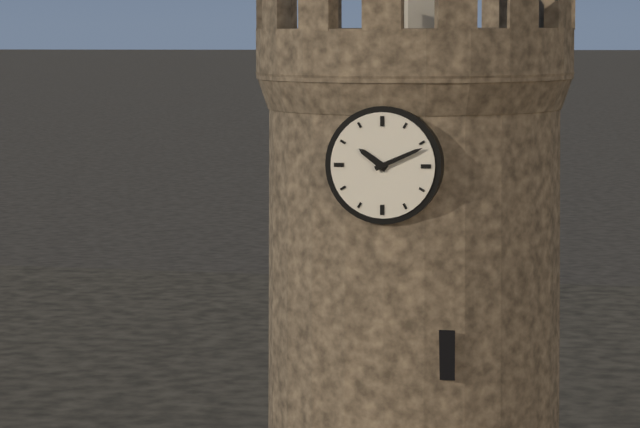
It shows 10:11
